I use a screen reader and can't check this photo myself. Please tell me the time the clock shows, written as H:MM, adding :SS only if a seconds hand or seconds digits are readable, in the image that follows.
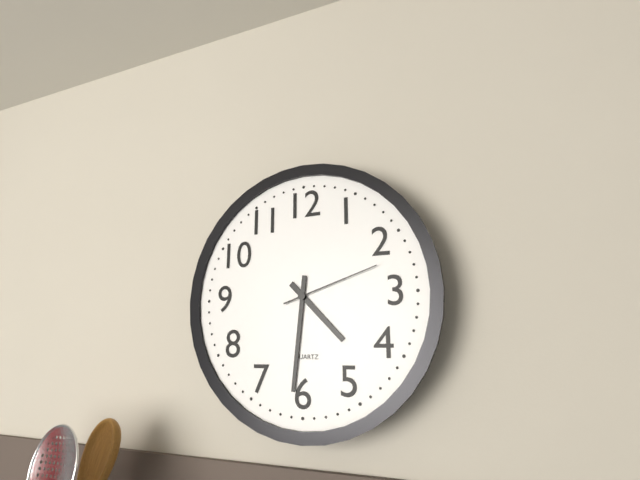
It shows 4:31:12
